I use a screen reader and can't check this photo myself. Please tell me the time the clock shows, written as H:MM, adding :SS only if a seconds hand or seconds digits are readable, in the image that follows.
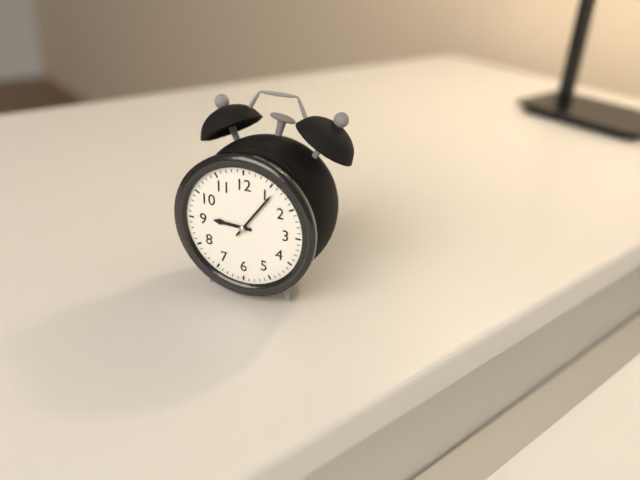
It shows 9:06
